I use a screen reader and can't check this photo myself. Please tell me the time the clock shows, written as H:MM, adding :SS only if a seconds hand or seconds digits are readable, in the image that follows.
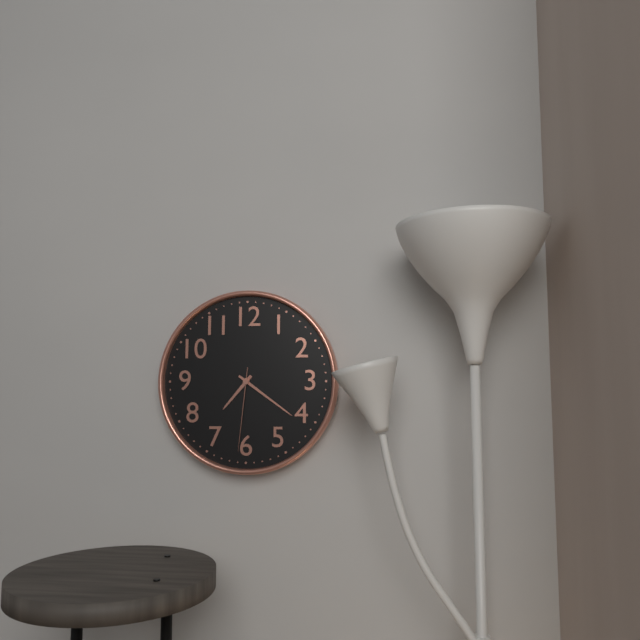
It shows 7:21:31
